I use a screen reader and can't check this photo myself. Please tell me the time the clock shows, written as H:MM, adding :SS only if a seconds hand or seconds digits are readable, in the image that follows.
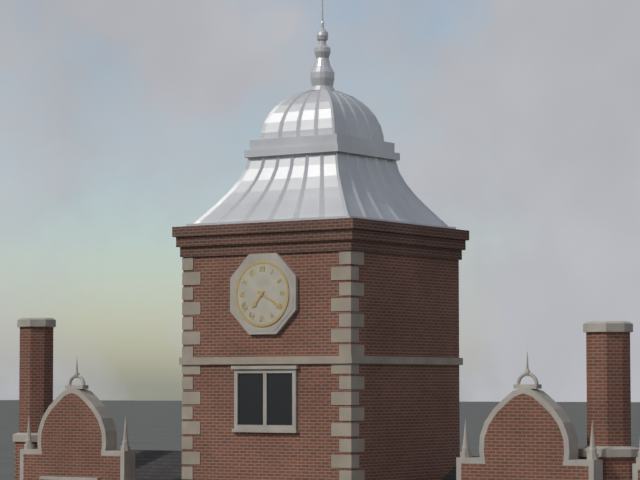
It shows 7:20
